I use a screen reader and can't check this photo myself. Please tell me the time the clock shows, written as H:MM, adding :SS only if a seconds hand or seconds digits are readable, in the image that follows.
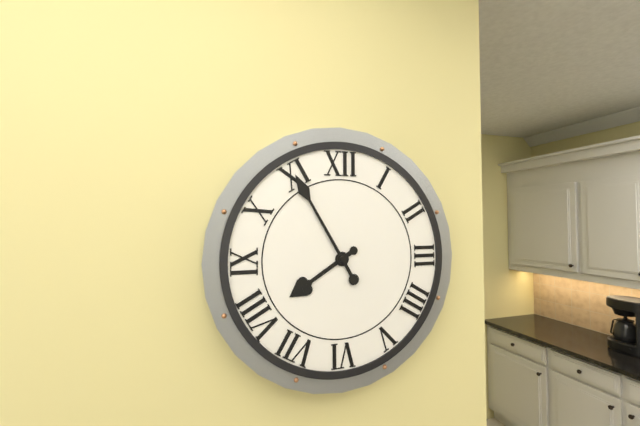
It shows 7:55
